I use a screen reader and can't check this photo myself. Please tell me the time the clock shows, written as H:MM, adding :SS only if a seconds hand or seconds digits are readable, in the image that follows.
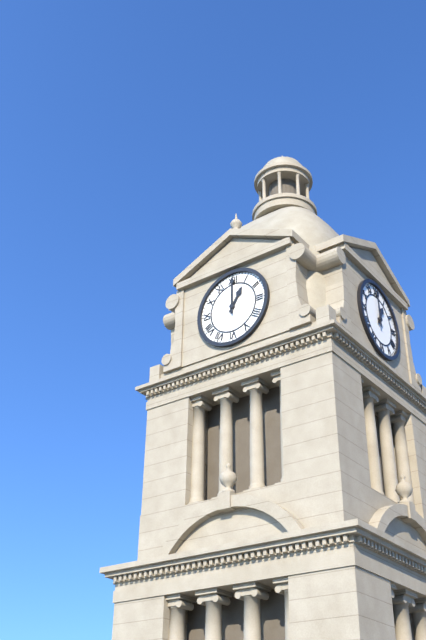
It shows 1:00
